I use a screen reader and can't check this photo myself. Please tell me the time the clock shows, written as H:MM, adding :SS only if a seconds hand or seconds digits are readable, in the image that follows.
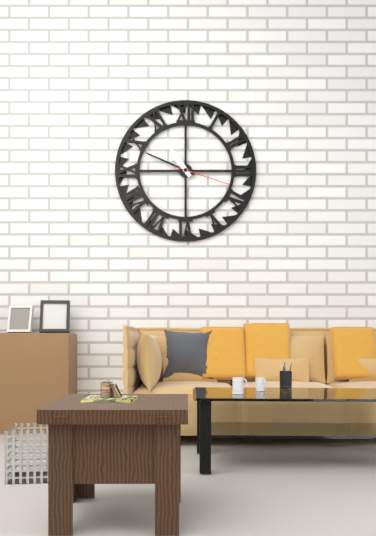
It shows 10:49:18
